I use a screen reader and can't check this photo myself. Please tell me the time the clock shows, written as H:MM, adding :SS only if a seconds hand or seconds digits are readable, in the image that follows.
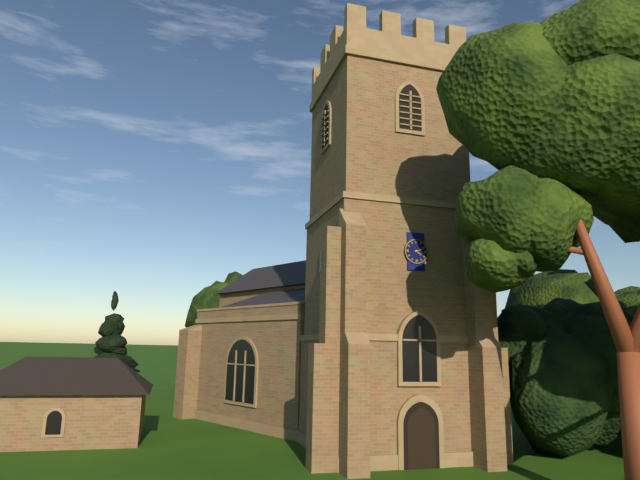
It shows 4:11
